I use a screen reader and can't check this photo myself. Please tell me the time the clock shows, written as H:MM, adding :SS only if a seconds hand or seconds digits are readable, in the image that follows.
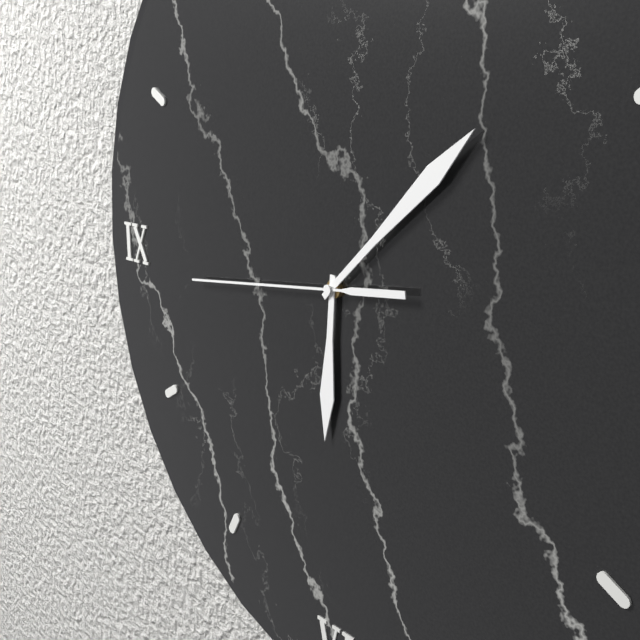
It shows 6:08:44
